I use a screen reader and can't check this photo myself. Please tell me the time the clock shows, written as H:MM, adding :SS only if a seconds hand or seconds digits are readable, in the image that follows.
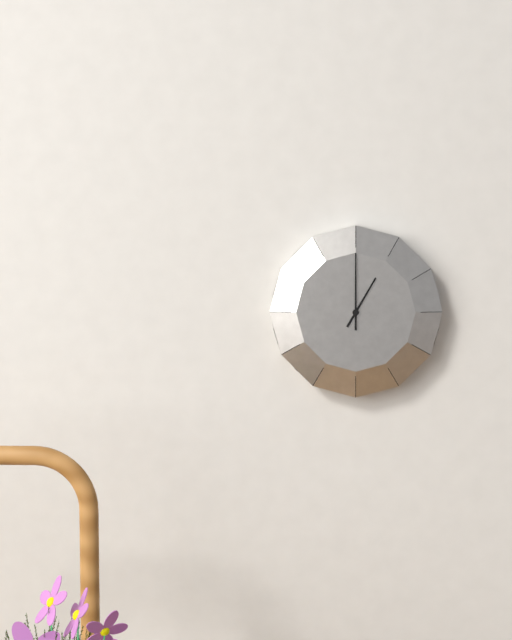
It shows 1:00
